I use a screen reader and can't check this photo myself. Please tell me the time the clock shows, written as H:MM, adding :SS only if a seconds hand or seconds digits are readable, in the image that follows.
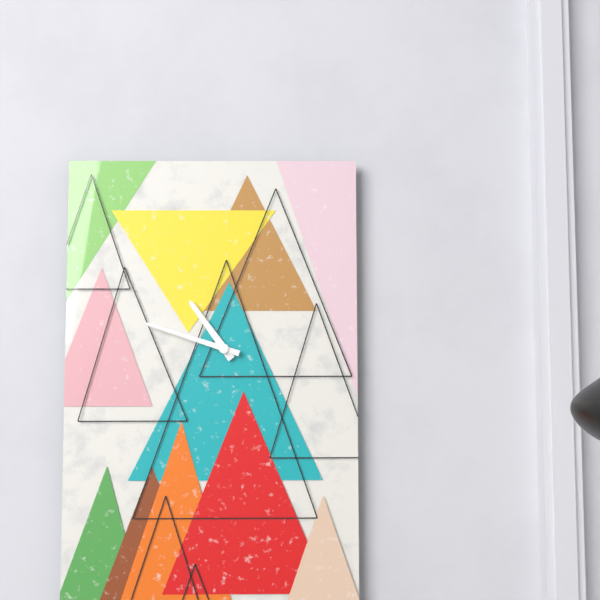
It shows 10:48
